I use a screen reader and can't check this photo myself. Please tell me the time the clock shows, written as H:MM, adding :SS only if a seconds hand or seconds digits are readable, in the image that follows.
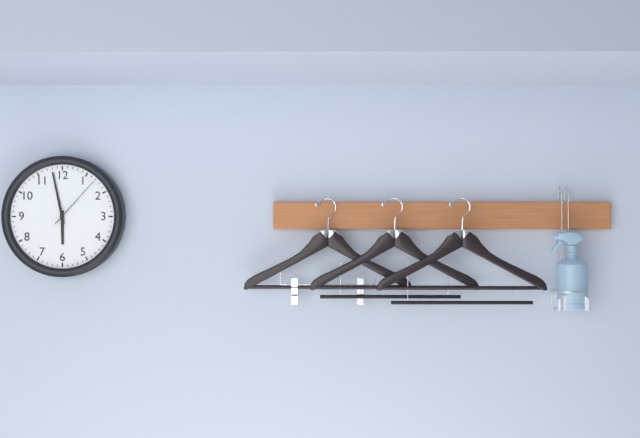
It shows 5:58:07
